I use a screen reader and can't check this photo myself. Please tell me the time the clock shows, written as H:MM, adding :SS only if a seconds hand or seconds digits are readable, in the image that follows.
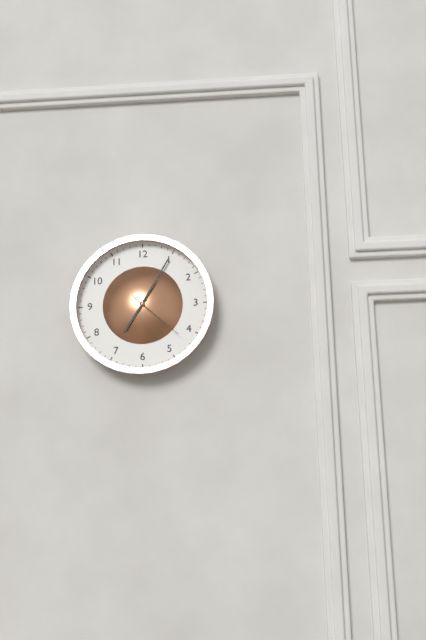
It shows 7:05:22
